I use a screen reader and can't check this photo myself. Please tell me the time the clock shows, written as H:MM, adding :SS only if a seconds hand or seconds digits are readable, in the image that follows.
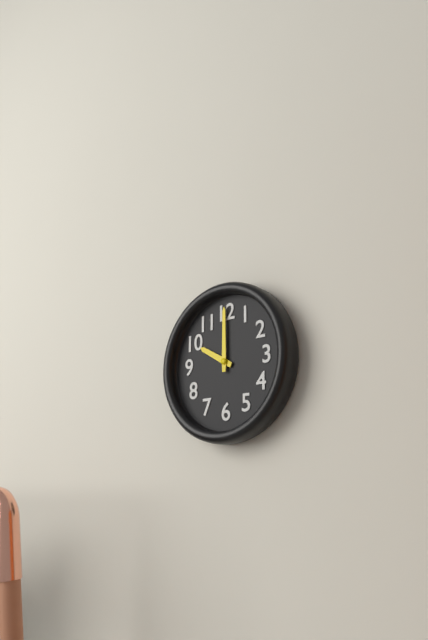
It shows 10:00
